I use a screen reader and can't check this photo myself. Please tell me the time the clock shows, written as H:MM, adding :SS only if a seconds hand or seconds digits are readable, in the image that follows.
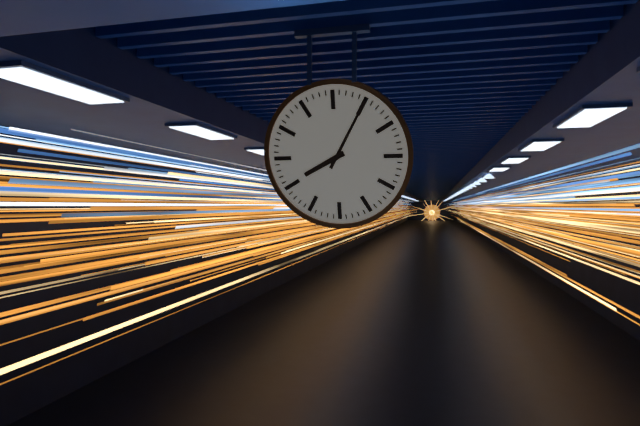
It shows 8:05
